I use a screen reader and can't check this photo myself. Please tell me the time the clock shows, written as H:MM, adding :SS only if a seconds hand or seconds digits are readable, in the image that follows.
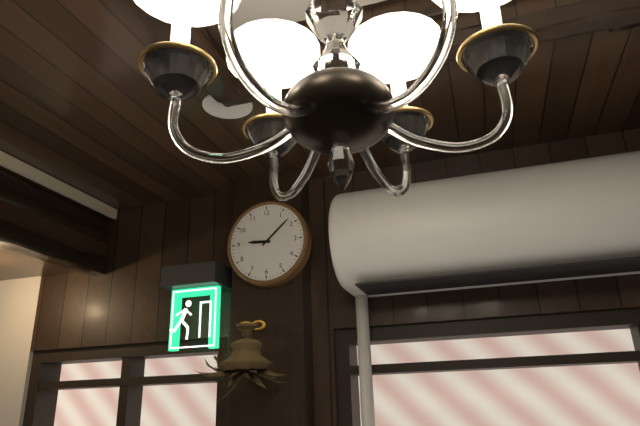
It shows 9:08
